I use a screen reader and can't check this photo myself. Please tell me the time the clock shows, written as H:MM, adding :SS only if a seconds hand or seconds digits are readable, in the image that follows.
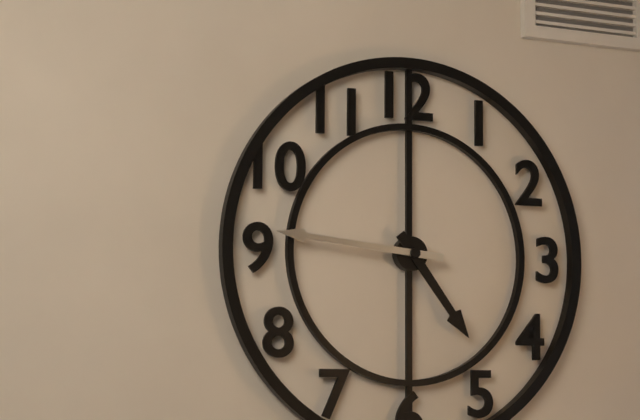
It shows 4:46
